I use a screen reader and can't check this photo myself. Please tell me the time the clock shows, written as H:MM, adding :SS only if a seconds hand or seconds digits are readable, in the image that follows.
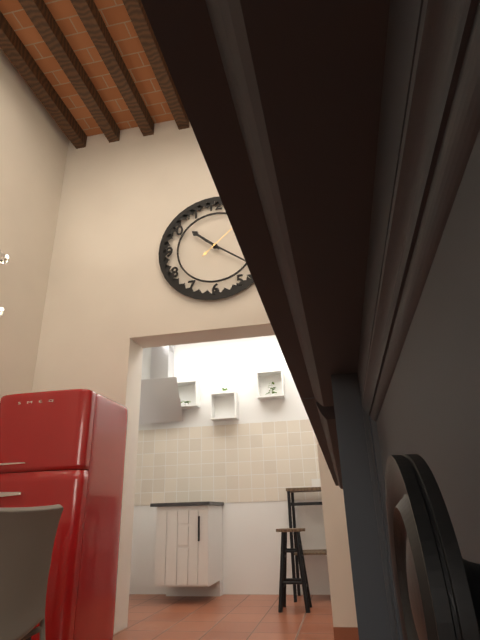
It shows 10:21
